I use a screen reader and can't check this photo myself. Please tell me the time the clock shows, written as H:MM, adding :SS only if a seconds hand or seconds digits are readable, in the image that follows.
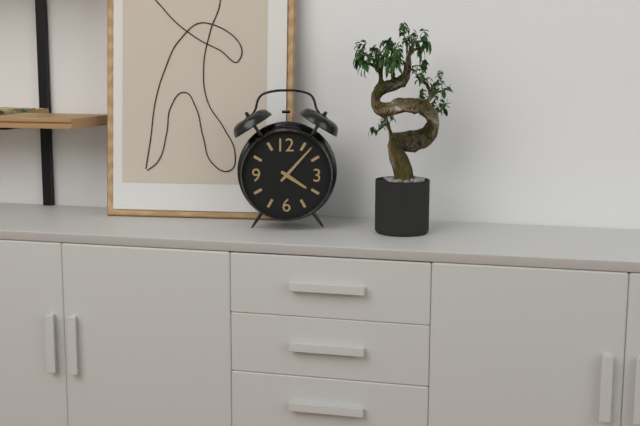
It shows 4:07
